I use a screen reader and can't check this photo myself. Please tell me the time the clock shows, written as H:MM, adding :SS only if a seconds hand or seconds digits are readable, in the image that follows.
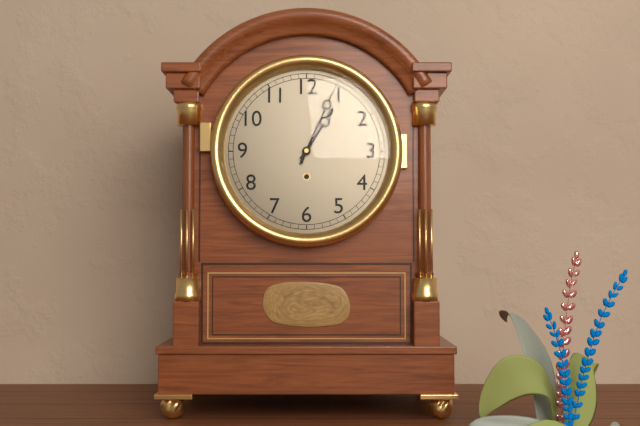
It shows 1:04
